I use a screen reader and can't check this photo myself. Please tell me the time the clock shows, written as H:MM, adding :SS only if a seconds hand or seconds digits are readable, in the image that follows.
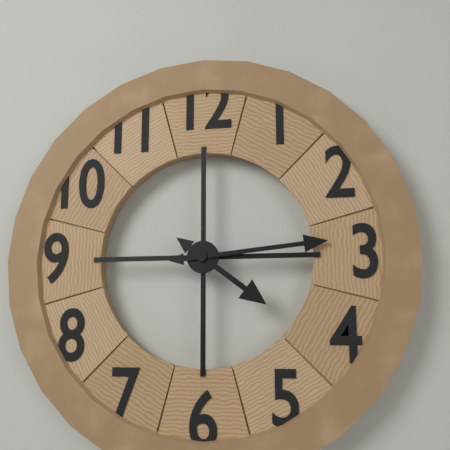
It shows 4:14
